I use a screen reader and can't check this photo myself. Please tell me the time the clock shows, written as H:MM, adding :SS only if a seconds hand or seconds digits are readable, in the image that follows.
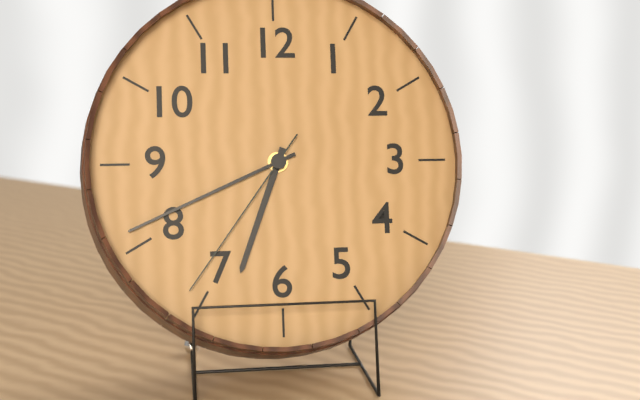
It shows 6:41:36
